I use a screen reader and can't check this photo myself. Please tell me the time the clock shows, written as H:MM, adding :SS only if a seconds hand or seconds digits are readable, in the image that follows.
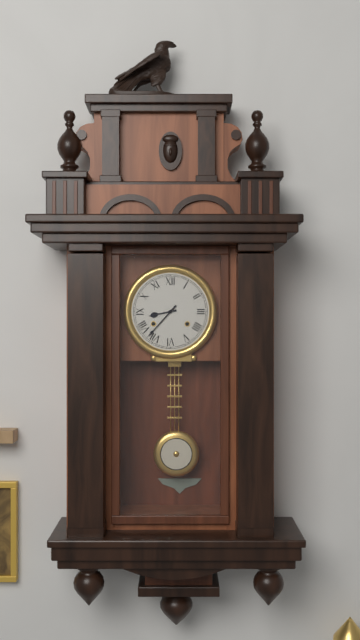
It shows 8:37
